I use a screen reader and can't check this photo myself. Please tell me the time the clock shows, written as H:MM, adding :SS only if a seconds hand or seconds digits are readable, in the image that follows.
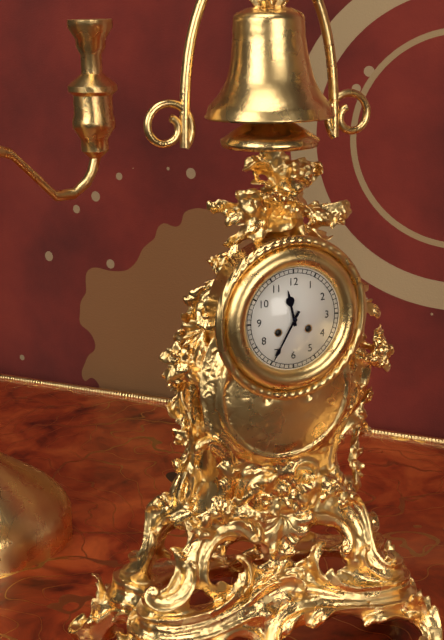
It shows 11:35
